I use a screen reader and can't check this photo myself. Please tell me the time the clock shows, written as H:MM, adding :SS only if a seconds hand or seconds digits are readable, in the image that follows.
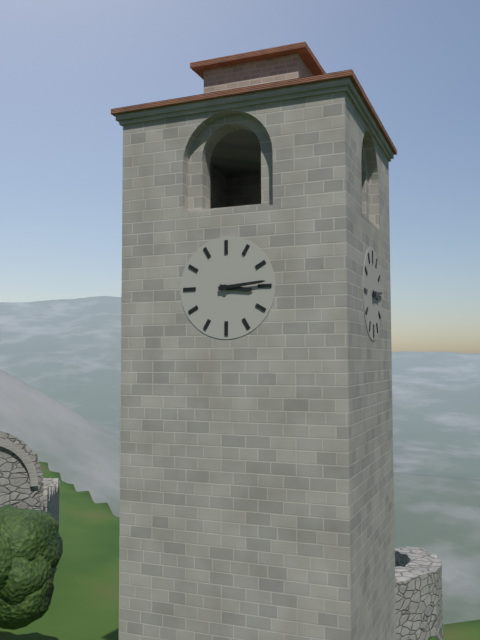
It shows 3:14
